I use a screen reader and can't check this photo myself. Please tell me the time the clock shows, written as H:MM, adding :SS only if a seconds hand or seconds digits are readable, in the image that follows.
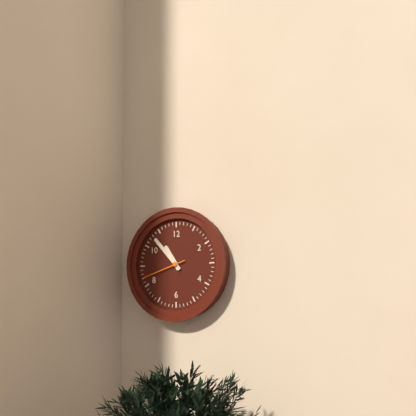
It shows 10:53
